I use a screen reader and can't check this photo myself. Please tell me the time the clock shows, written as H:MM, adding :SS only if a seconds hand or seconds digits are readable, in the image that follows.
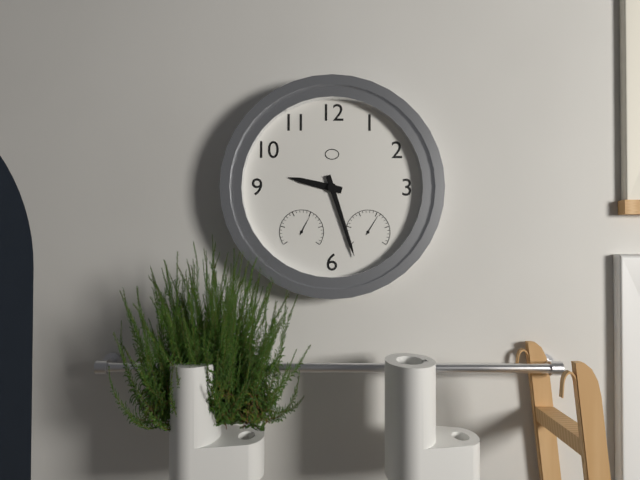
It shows 9:27
